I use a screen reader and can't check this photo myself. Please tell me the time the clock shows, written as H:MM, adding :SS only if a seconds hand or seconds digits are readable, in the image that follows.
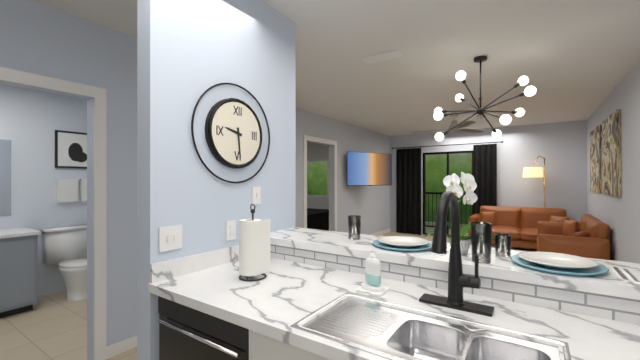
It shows 9:29
